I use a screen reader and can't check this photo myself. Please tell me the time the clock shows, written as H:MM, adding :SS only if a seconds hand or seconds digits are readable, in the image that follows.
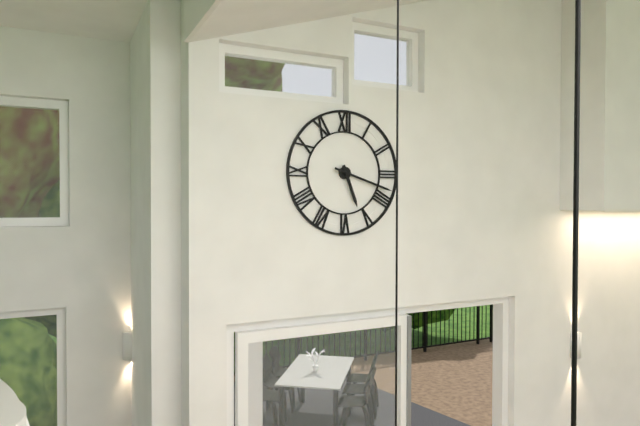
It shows 5:18
